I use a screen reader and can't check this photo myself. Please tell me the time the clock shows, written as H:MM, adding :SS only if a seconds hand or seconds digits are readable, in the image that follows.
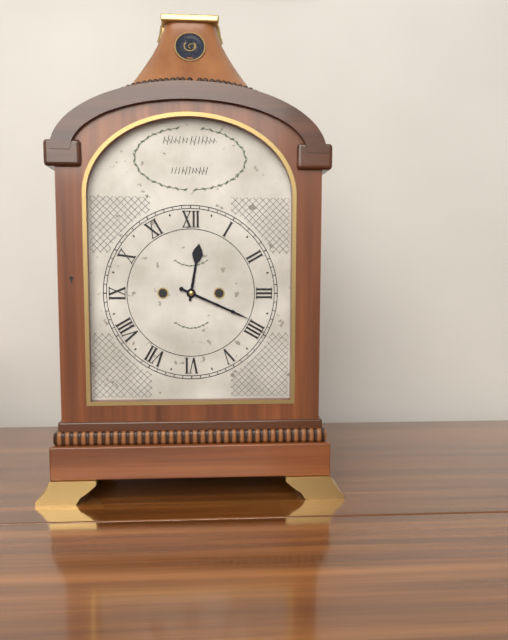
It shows 12:19
